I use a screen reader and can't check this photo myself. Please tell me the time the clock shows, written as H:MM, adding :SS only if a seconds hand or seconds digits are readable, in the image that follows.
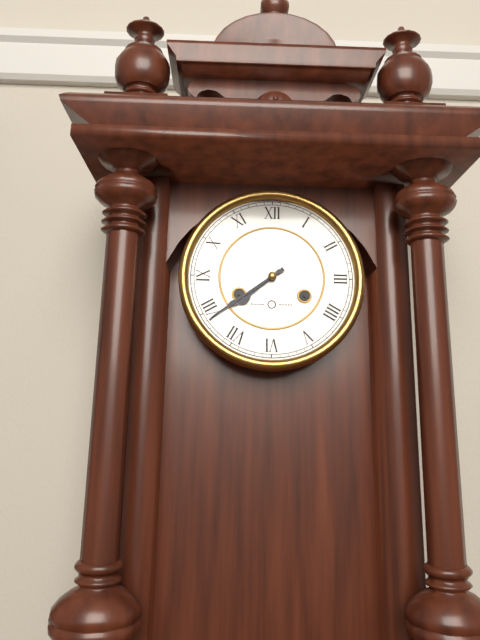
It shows 7:39
